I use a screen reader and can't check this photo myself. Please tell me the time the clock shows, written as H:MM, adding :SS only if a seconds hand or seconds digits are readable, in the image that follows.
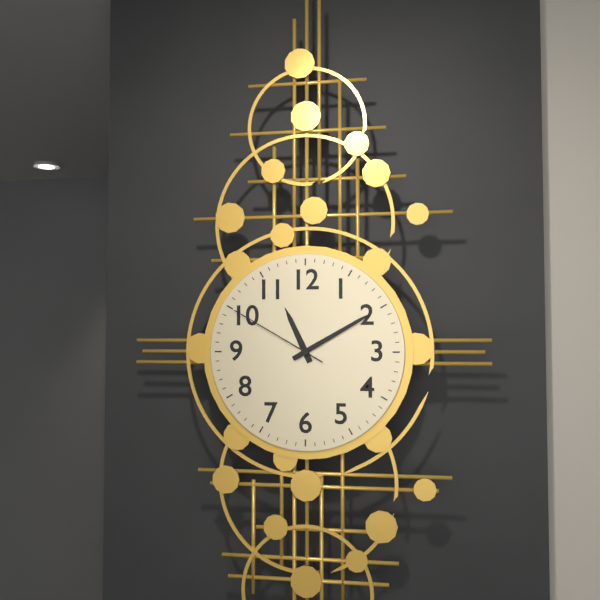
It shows 11:10:50
